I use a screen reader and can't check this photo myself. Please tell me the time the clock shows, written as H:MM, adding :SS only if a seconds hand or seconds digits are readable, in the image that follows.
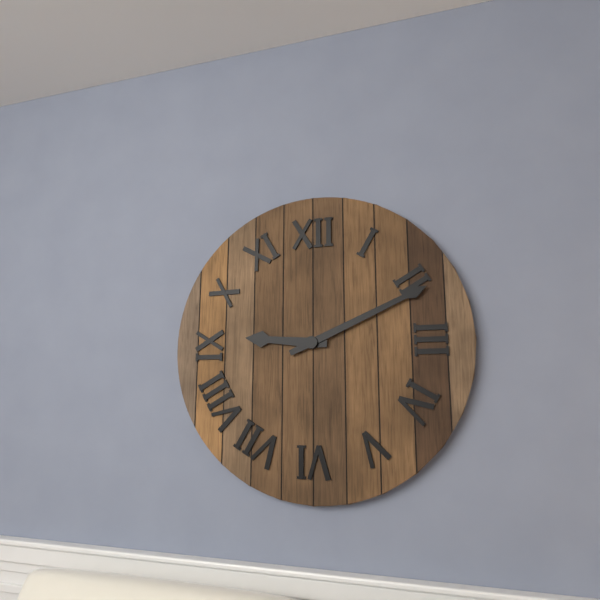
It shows 9:11
